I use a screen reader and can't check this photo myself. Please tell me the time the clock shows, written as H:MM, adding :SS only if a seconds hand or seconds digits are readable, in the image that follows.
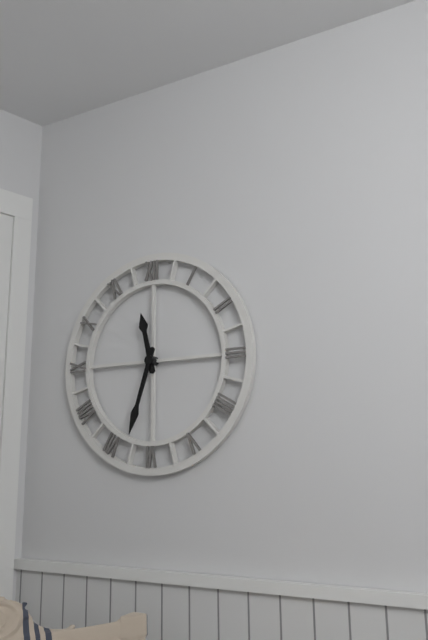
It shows 11:33
